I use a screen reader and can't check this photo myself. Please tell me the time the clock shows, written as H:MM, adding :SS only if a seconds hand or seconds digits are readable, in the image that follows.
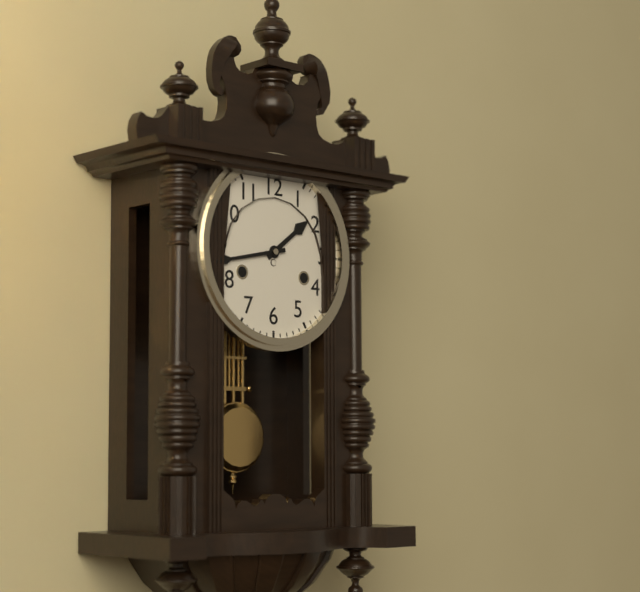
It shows 1:43
